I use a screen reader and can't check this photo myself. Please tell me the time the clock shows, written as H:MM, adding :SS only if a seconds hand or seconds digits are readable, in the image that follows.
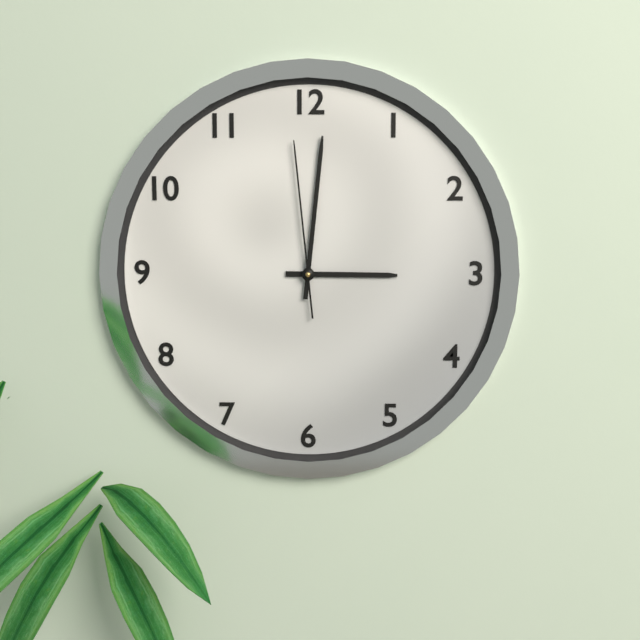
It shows 3:01:59
